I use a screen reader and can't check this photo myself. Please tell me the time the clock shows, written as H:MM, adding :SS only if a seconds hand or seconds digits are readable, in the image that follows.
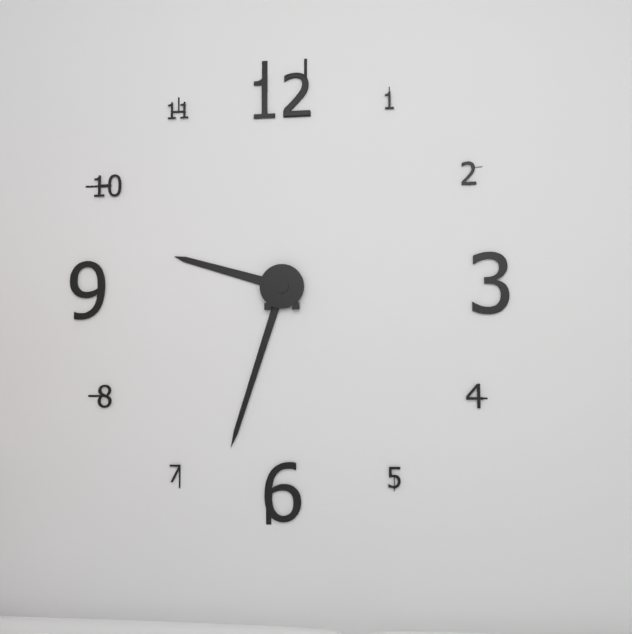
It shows 9:33
